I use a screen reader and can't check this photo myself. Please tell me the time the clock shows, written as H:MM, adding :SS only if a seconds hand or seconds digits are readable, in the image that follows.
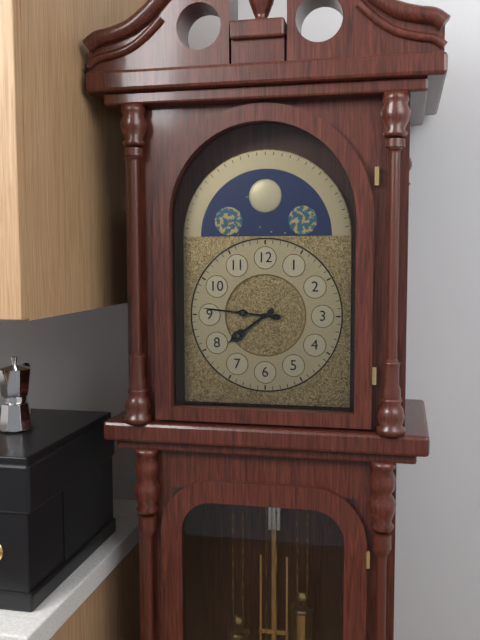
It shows 7:46
